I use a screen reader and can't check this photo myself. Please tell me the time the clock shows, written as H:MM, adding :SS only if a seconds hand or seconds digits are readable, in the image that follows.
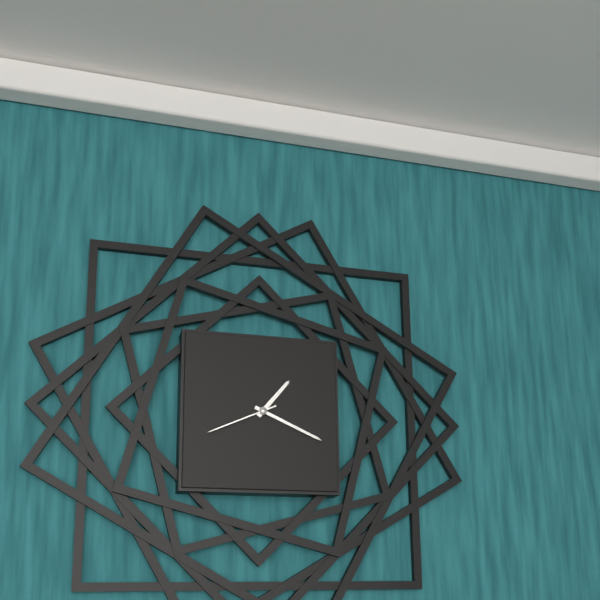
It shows 1:19:41
